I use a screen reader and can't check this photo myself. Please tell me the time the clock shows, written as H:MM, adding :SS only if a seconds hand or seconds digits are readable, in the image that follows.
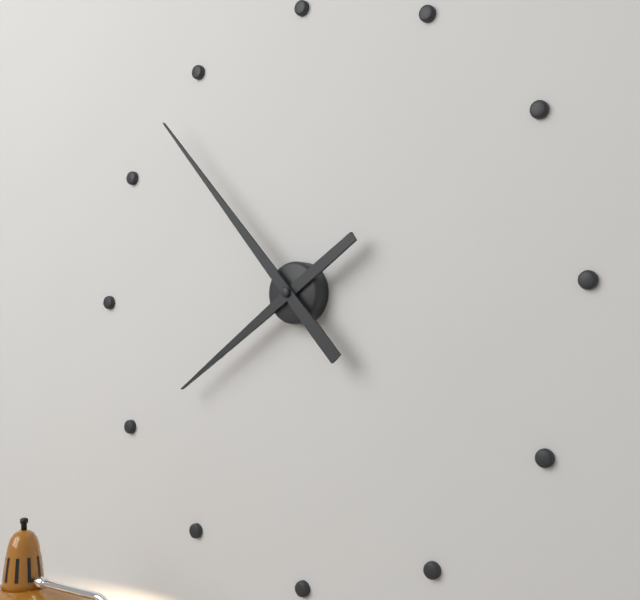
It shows 7:53
